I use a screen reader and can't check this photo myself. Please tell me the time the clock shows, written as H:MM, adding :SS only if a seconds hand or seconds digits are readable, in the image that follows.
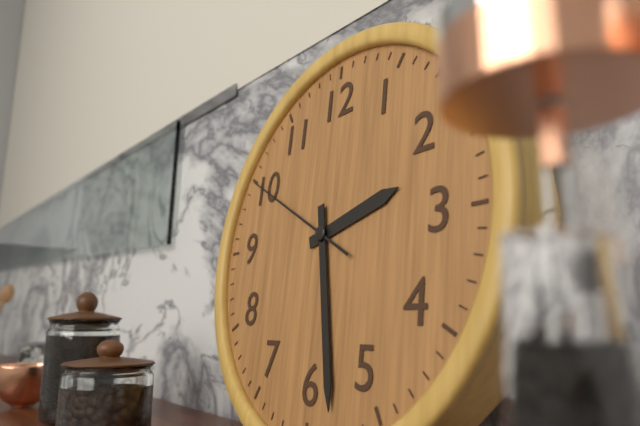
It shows 2:28:50
